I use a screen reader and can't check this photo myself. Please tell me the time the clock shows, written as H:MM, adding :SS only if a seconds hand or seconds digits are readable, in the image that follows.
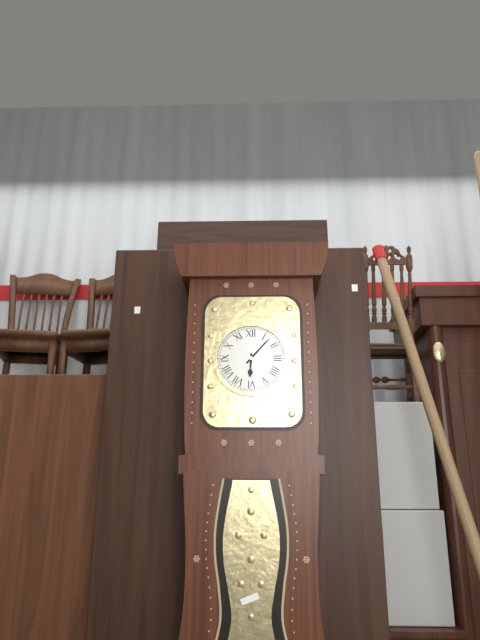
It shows 6:07
